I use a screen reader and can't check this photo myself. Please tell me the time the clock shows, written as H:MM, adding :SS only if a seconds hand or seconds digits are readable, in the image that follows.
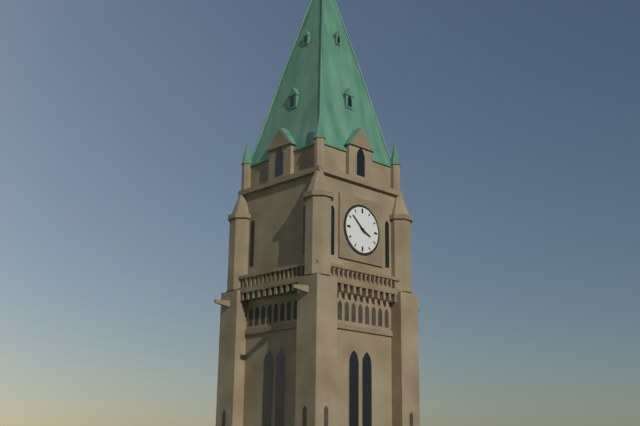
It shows 3:52
